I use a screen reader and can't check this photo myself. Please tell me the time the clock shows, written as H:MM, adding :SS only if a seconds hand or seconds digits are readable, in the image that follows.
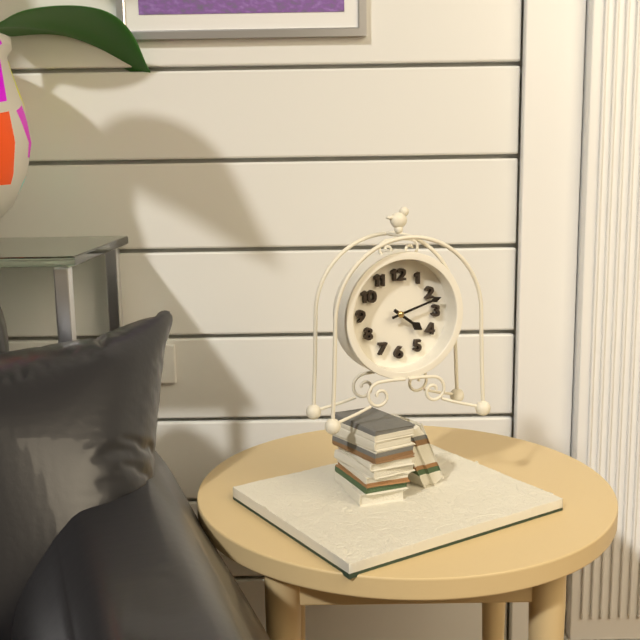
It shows 4:12
